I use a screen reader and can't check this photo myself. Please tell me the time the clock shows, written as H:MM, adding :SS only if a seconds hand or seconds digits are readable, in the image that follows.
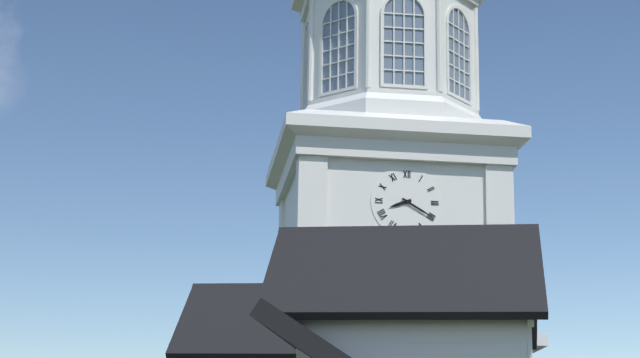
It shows 8:20
